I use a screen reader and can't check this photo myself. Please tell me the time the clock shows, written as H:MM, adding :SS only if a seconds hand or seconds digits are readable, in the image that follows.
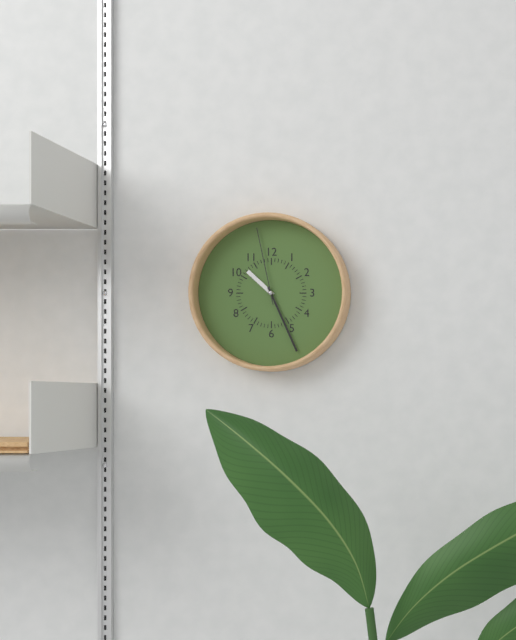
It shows 10:26:58
